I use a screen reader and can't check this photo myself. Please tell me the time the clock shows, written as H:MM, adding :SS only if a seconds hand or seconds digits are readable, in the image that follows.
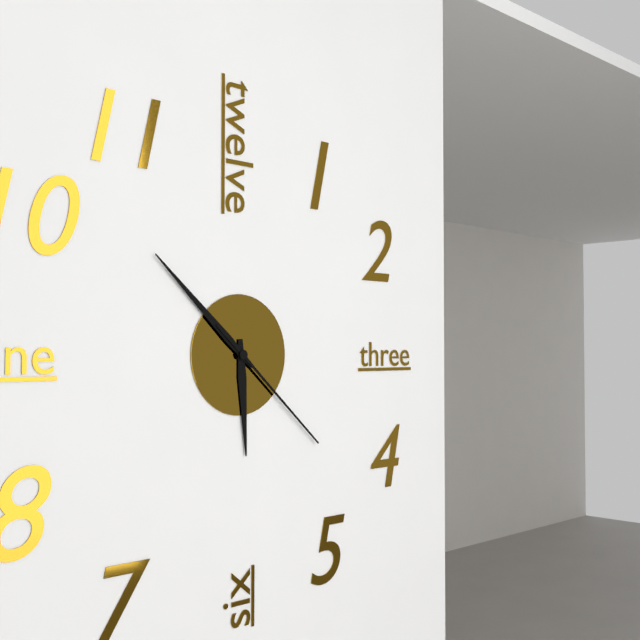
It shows 5:52:22
